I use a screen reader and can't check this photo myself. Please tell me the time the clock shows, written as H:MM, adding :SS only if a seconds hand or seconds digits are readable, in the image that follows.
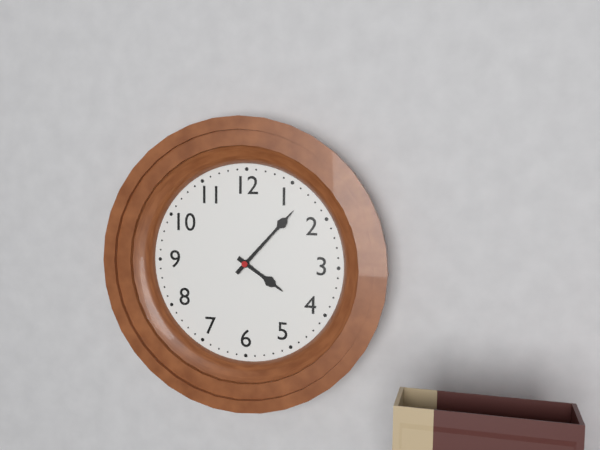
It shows 4:07
